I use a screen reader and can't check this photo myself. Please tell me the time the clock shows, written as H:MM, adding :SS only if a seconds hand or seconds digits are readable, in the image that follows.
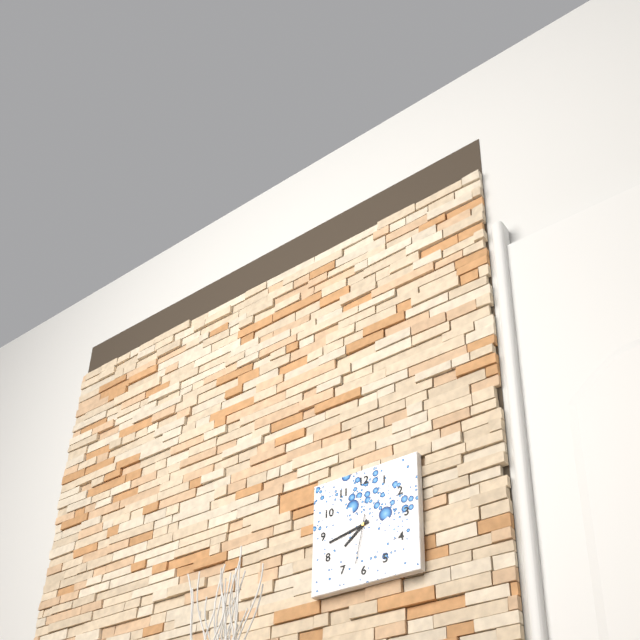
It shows 7:43
